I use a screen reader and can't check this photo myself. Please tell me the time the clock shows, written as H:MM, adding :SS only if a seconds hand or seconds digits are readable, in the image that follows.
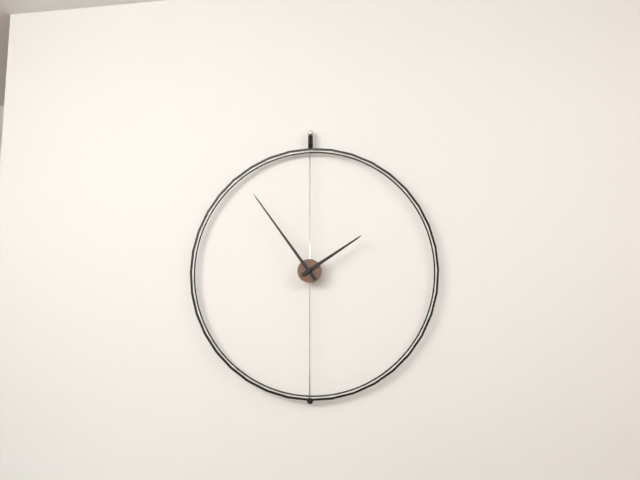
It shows 1:54
